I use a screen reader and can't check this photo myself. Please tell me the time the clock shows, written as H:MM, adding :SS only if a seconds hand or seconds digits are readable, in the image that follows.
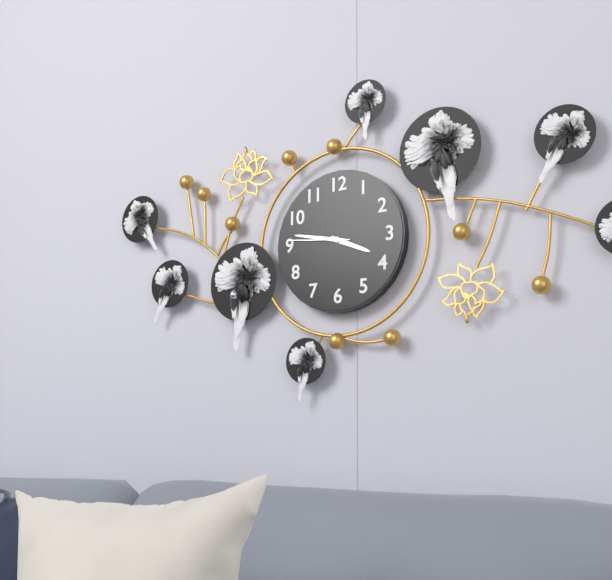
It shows 3:47:46
